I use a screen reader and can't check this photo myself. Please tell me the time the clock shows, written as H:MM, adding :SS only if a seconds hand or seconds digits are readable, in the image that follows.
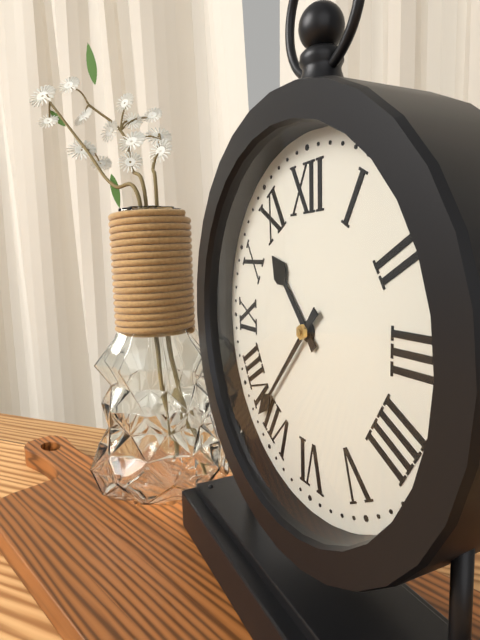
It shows 10:37
